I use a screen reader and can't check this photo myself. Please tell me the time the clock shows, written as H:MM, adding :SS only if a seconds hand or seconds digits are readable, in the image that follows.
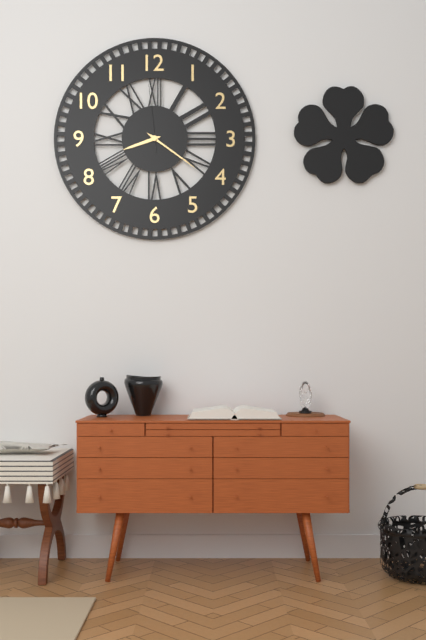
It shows 8:21:59
